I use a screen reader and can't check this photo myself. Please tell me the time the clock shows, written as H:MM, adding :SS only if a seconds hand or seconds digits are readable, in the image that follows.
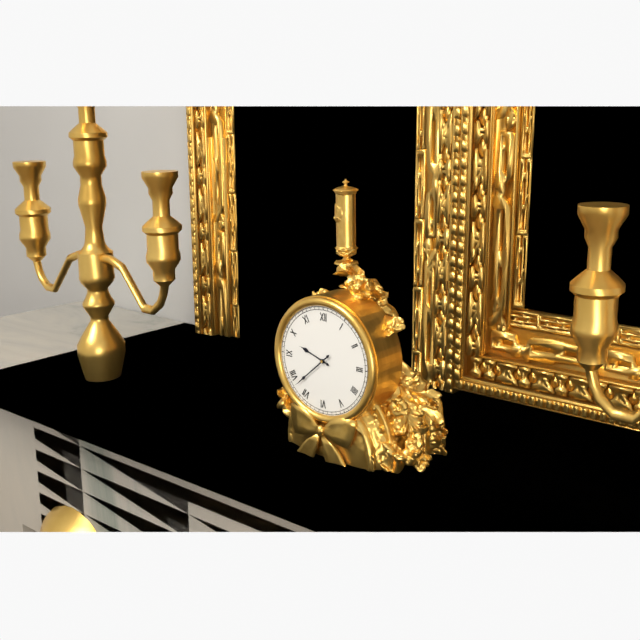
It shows 9:38
